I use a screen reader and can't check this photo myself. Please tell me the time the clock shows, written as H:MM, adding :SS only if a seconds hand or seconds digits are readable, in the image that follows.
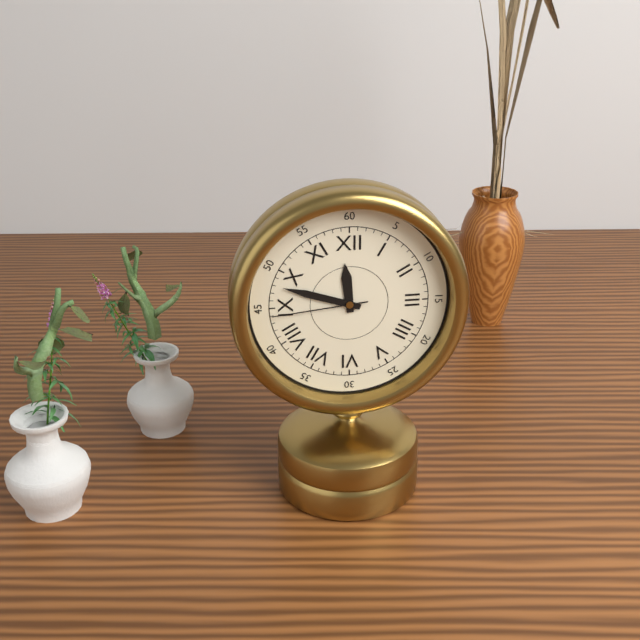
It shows 11:48:44
